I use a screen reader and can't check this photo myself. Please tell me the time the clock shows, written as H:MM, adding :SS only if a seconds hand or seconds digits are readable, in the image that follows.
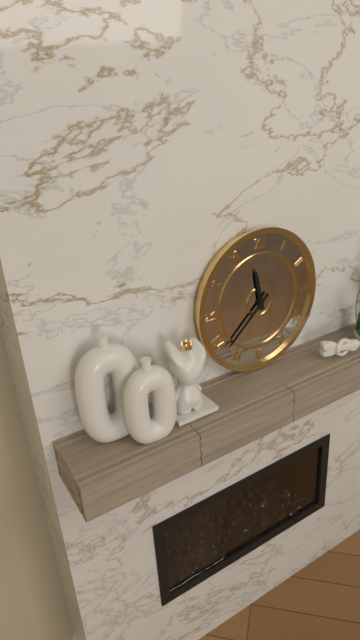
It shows 11:38
